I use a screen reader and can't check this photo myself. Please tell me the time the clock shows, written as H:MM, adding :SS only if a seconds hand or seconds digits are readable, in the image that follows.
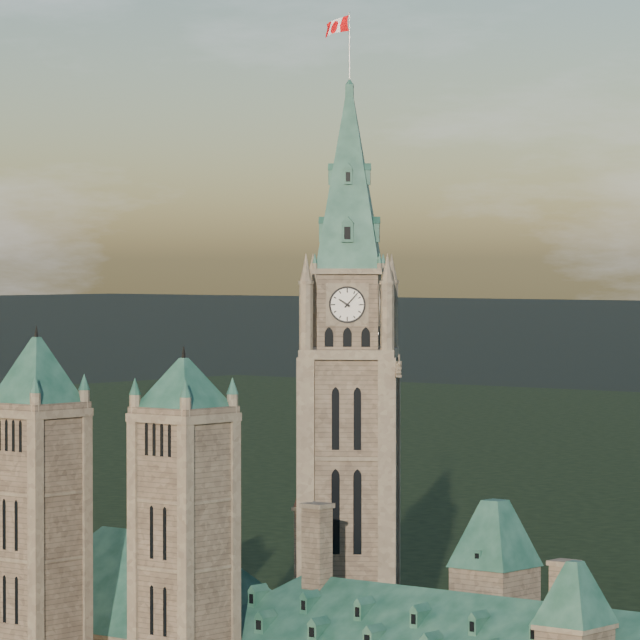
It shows 10:07
